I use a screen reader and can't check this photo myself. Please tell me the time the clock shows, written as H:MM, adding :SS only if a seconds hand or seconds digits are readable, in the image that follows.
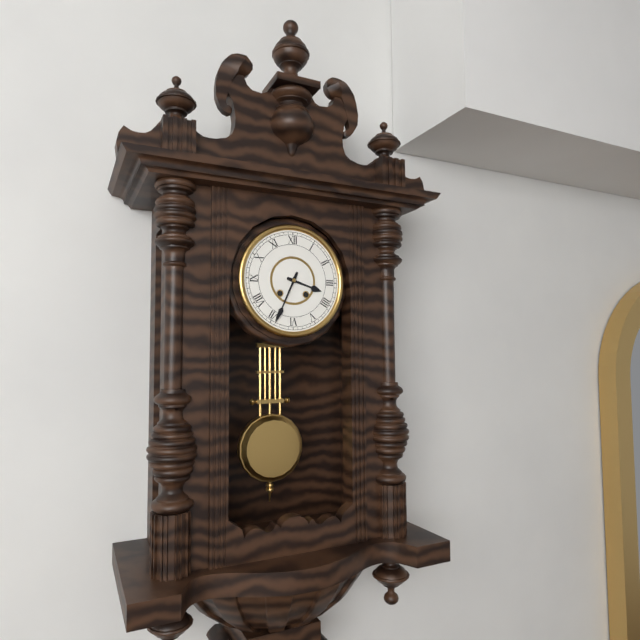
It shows 3:34
